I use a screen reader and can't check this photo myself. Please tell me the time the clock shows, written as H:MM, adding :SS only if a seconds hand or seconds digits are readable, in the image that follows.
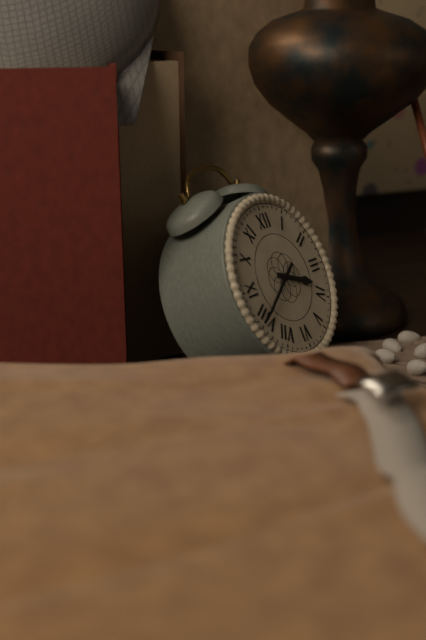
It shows 3:40
